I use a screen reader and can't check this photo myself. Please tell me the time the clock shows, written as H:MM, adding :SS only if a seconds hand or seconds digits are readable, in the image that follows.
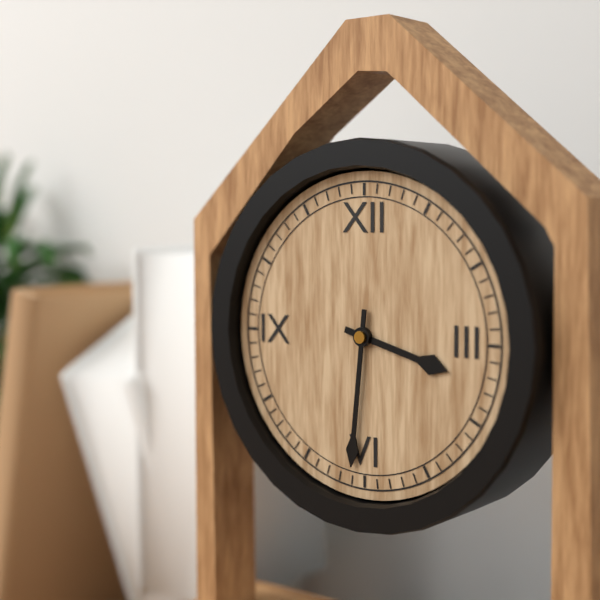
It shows 3:31
